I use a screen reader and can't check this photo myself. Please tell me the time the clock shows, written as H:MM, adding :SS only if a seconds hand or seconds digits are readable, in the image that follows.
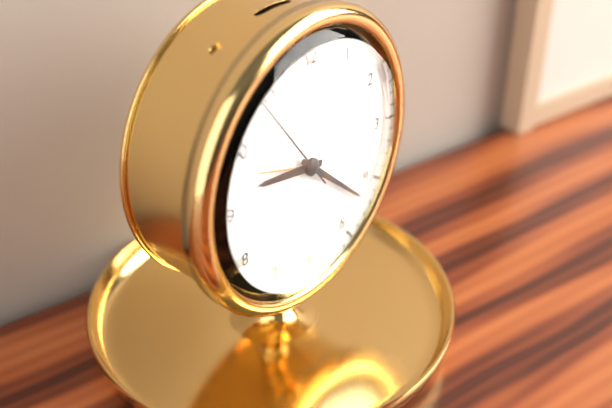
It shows 9:22:54
